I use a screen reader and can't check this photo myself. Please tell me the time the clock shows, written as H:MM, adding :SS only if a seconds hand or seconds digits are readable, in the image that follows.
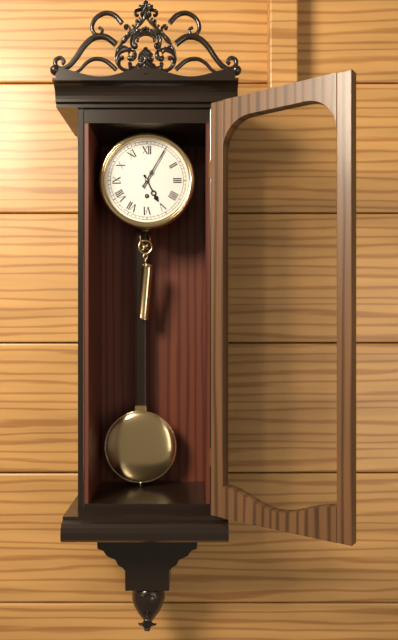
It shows 5:05
